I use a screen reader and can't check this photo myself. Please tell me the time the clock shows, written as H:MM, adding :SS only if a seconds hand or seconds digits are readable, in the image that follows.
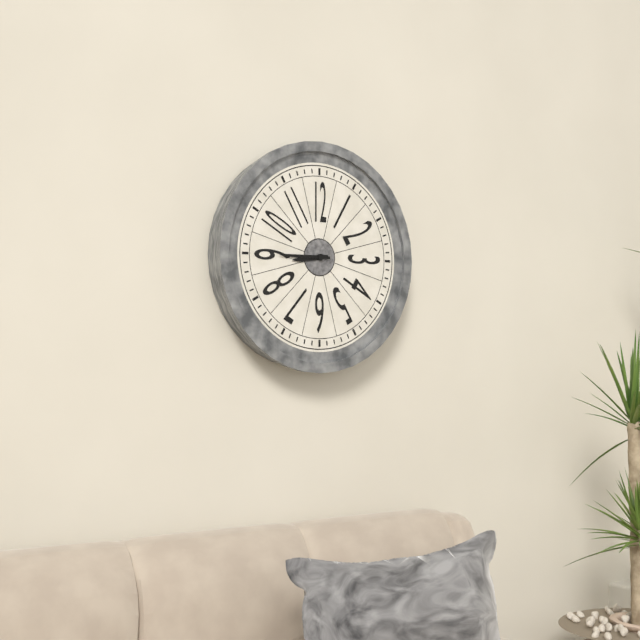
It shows 8:45
